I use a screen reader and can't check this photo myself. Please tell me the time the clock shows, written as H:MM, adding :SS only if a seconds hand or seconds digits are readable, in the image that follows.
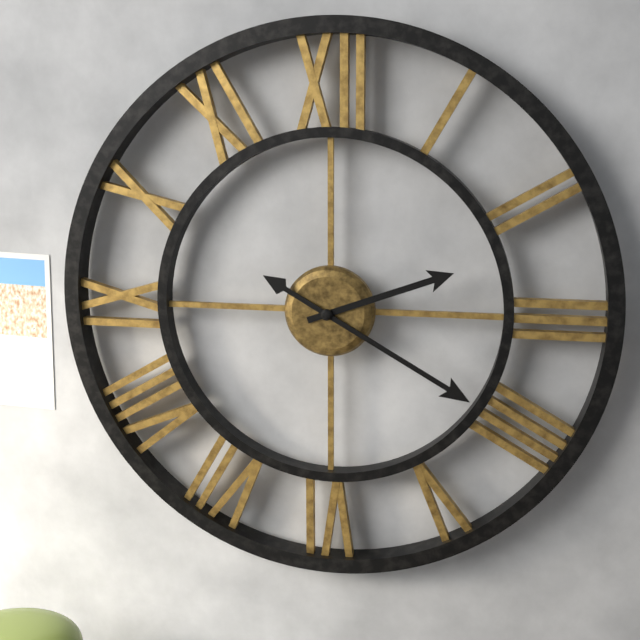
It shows 2:20
